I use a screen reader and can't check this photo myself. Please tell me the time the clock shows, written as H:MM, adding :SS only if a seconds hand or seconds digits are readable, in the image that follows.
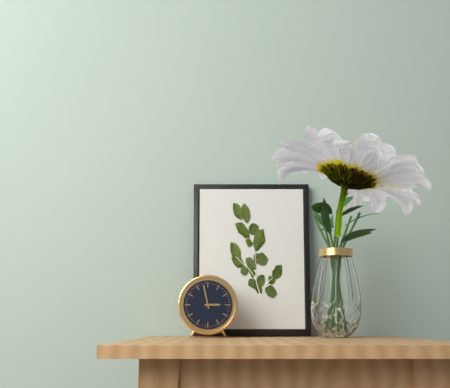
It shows 2:58
